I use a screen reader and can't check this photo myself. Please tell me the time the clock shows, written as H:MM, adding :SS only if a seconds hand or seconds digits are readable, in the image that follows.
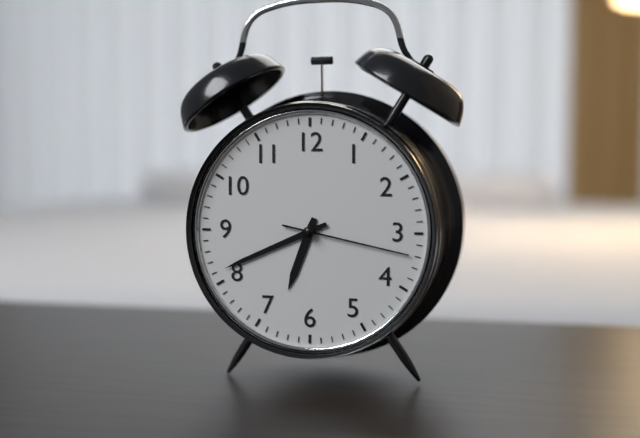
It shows 6:41:17
